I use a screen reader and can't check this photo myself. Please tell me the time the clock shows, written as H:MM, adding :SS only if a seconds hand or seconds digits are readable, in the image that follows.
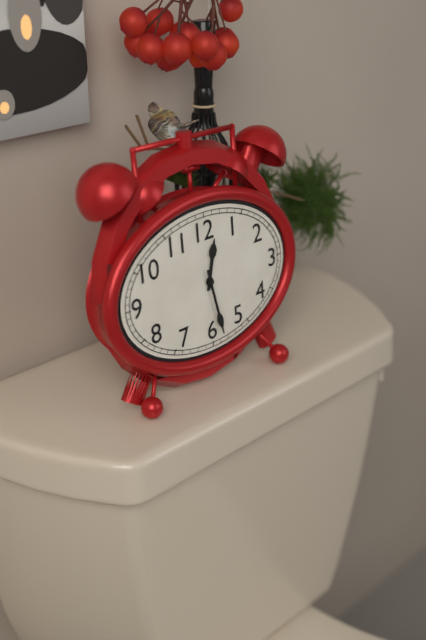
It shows 12:28
